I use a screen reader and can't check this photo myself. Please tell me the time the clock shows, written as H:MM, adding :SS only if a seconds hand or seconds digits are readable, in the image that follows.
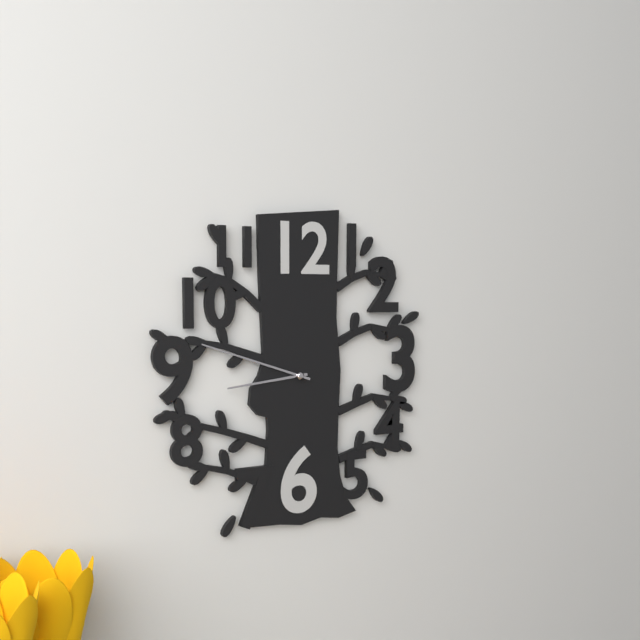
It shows 8:48
